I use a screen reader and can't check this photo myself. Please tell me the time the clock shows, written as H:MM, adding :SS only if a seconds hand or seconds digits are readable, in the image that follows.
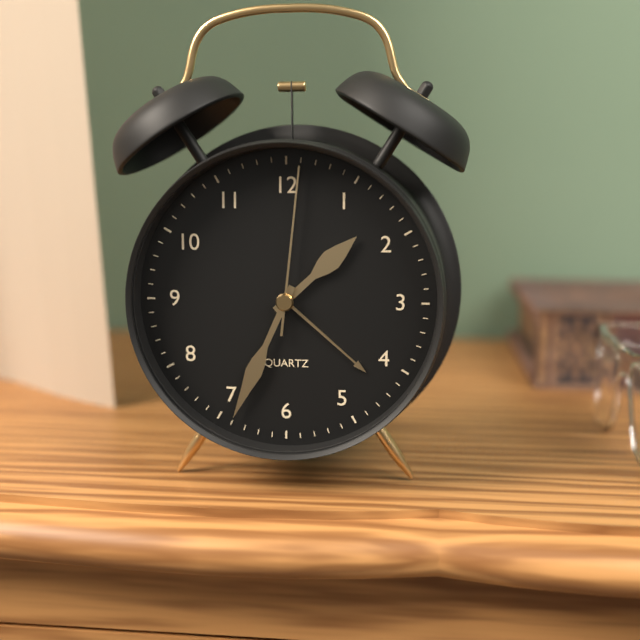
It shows 1:34:01
